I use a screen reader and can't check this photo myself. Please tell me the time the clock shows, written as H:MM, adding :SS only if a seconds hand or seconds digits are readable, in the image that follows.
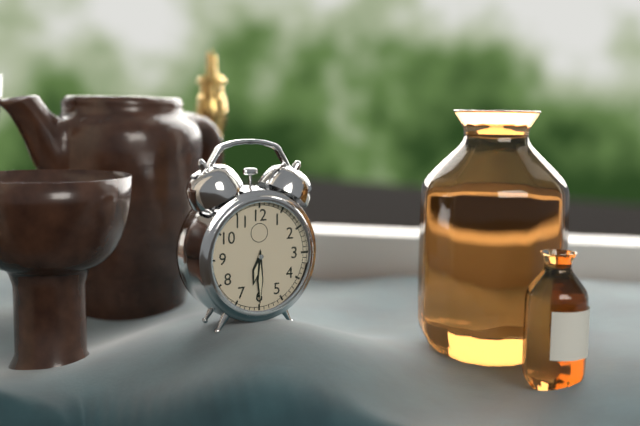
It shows 6:30
